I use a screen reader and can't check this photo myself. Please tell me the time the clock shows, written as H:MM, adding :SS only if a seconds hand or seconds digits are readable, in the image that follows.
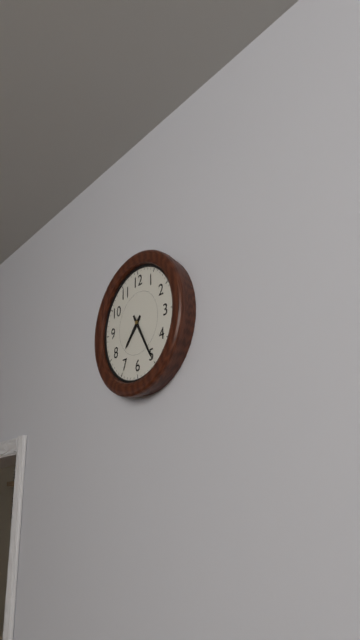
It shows 7:25
